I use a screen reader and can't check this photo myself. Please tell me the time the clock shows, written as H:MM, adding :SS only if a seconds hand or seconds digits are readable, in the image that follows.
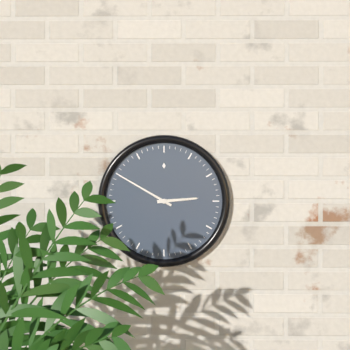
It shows 2:50
